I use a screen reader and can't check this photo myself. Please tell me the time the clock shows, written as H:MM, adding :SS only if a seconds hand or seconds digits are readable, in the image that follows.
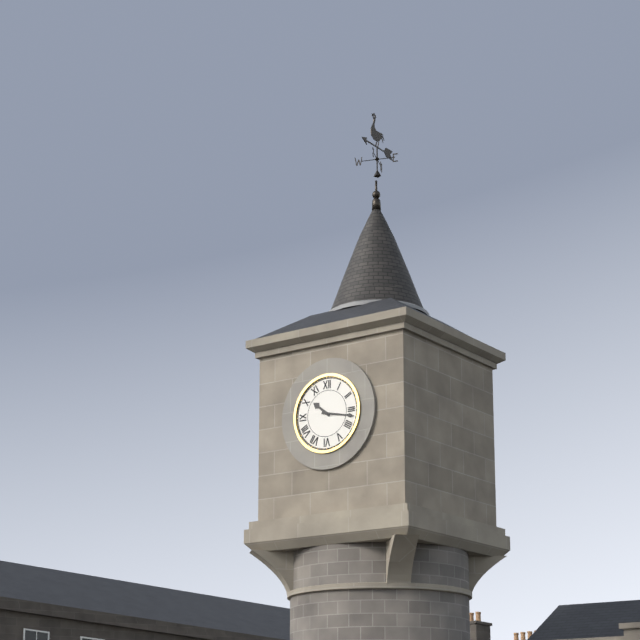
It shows 10:17
